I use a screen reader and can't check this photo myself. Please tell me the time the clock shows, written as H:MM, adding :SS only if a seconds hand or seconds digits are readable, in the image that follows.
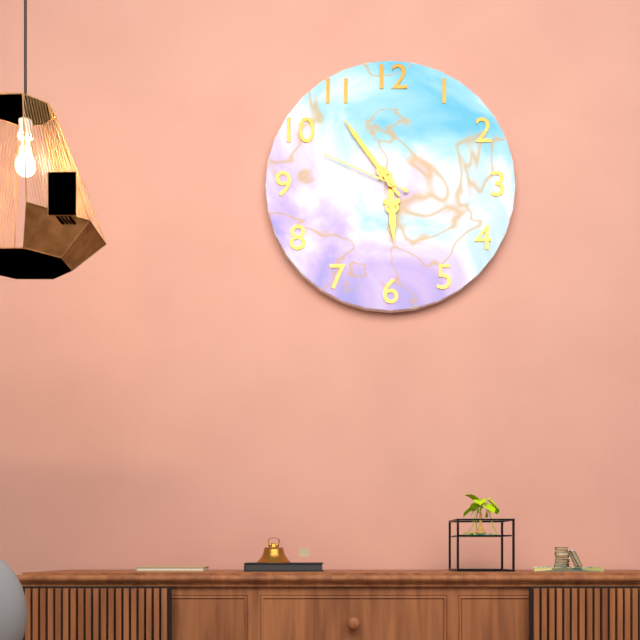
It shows 5:54:49
